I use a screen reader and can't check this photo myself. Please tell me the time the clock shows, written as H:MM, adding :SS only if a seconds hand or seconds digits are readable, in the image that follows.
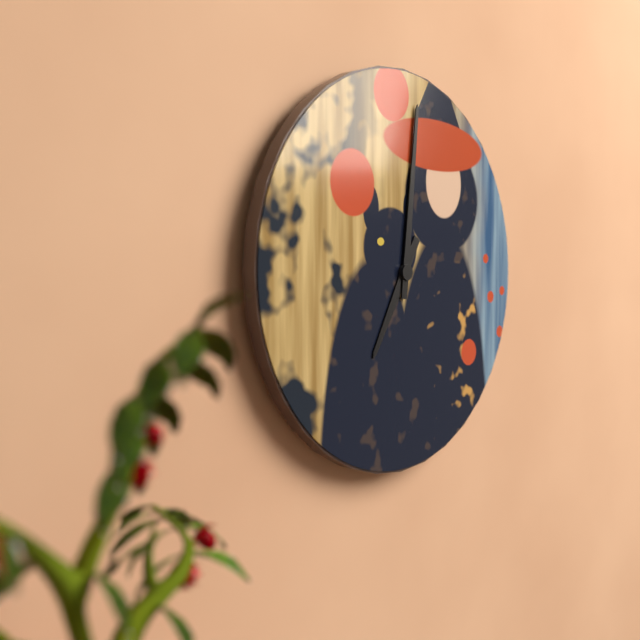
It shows 7:01
